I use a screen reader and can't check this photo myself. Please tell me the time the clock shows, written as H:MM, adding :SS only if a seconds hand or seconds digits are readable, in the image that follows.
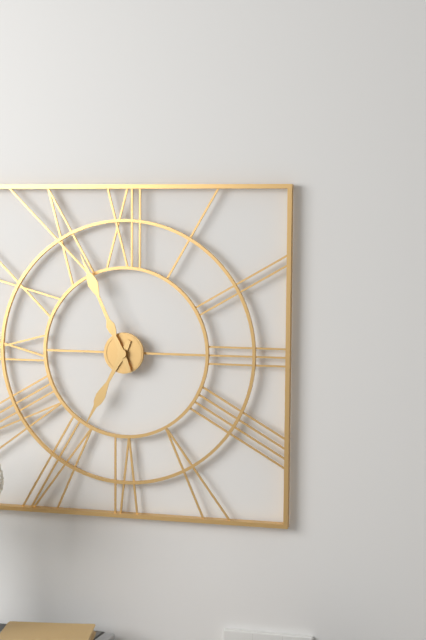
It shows 6:56
